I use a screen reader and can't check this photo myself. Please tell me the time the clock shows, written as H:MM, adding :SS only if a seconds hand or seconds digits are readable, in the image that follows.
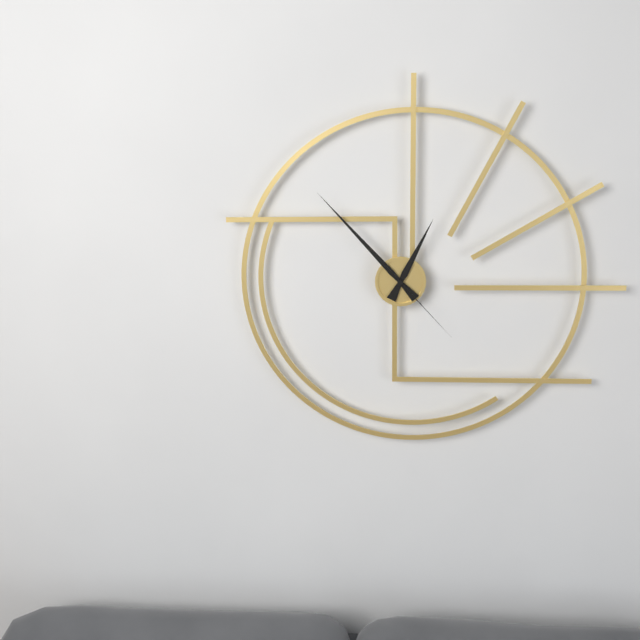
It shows 12:53:23
